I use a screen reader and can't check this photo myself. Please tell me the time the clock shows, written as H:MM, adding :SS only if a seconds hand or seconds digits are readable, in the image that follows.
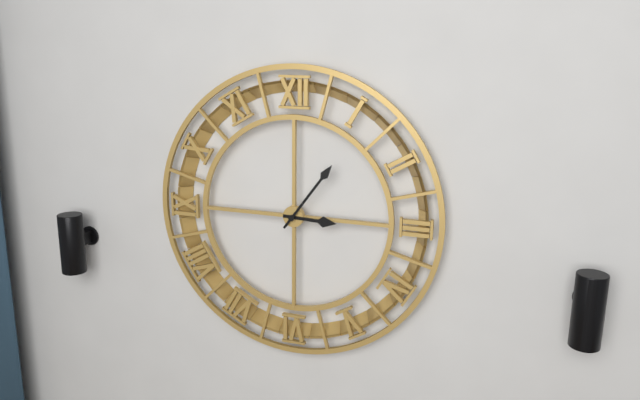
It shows 3:06
